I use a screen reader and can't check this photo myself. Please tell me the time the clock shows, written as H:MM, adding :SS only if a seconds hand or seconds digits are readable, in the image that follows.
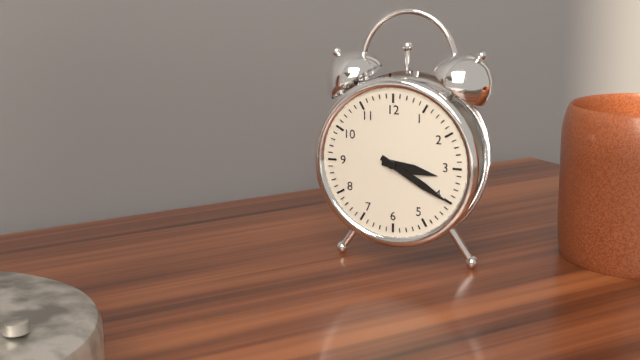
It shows 3:20
